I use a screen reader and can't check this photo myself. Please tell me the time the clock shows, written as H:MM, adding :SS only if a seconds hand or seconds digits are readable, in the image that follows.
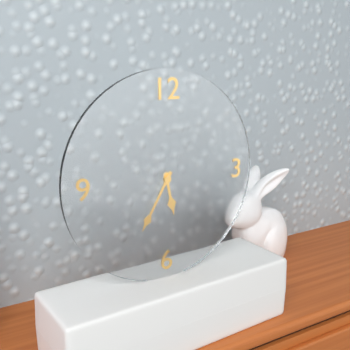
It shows 5:35
